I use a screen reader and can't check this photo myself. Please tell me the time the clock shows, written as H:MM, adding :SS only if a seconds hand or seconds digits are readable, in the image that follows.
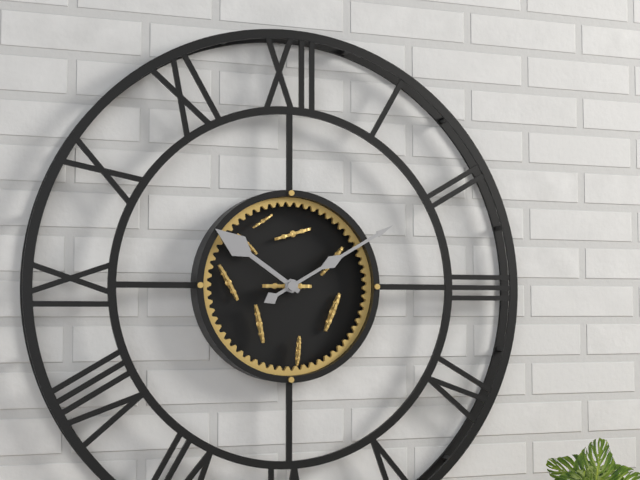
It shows 10:10
